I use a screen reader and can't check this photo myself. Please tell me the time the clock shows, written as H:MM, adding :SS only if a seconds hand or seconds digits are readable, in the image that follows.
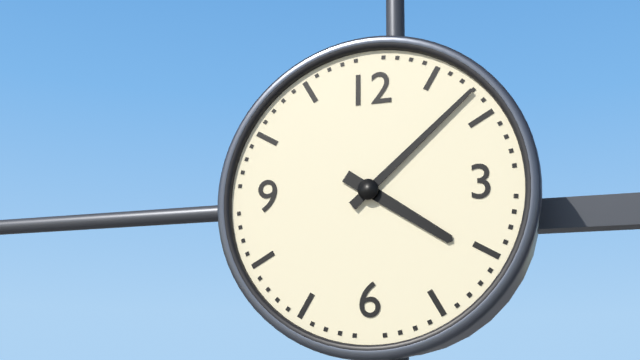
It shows 4:08
